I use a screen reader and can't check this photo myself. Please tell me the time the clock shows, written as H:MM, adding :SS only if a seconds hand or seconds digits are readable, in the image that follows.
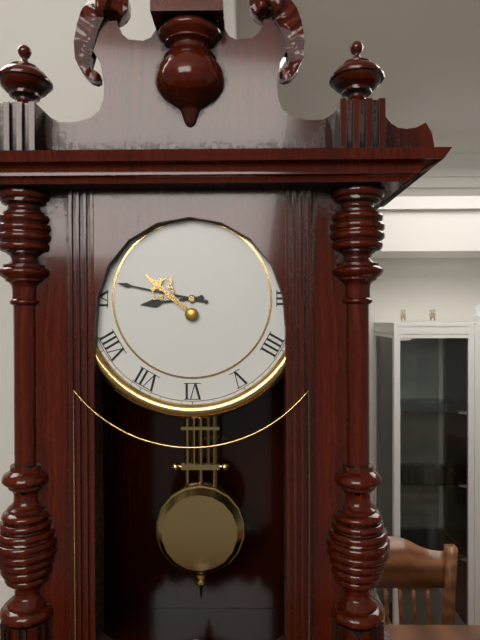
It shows 8:47
